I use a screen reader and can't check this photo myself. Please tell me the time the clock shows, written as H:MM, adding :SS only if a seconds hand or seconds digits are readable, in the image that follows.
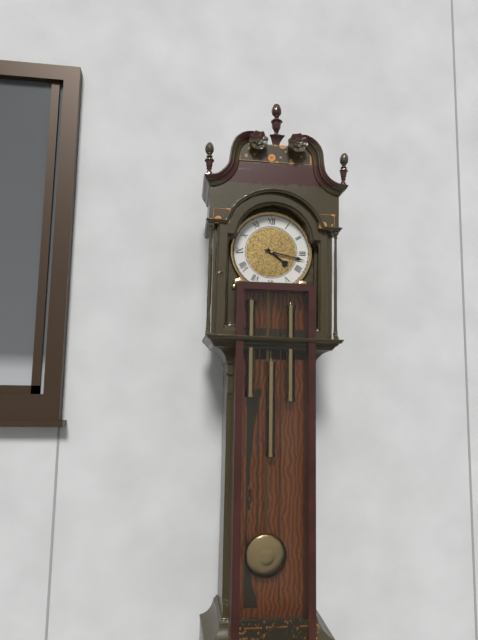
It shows 4:17
